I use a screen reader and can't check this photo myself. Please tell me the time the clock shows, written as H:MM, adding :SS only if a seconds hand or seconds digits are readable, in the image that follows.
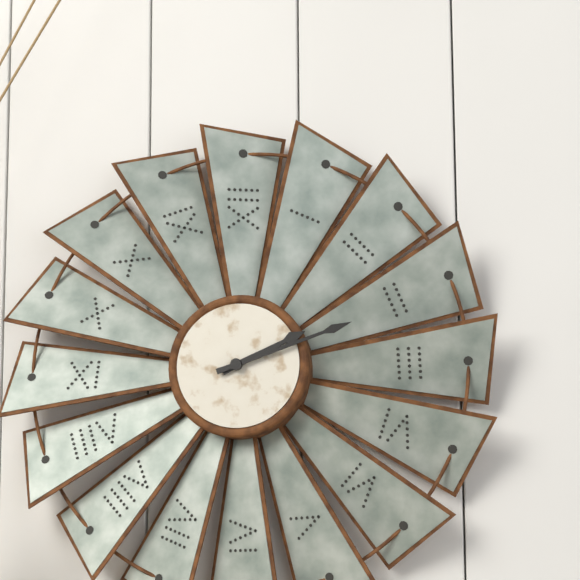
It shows 2:12
